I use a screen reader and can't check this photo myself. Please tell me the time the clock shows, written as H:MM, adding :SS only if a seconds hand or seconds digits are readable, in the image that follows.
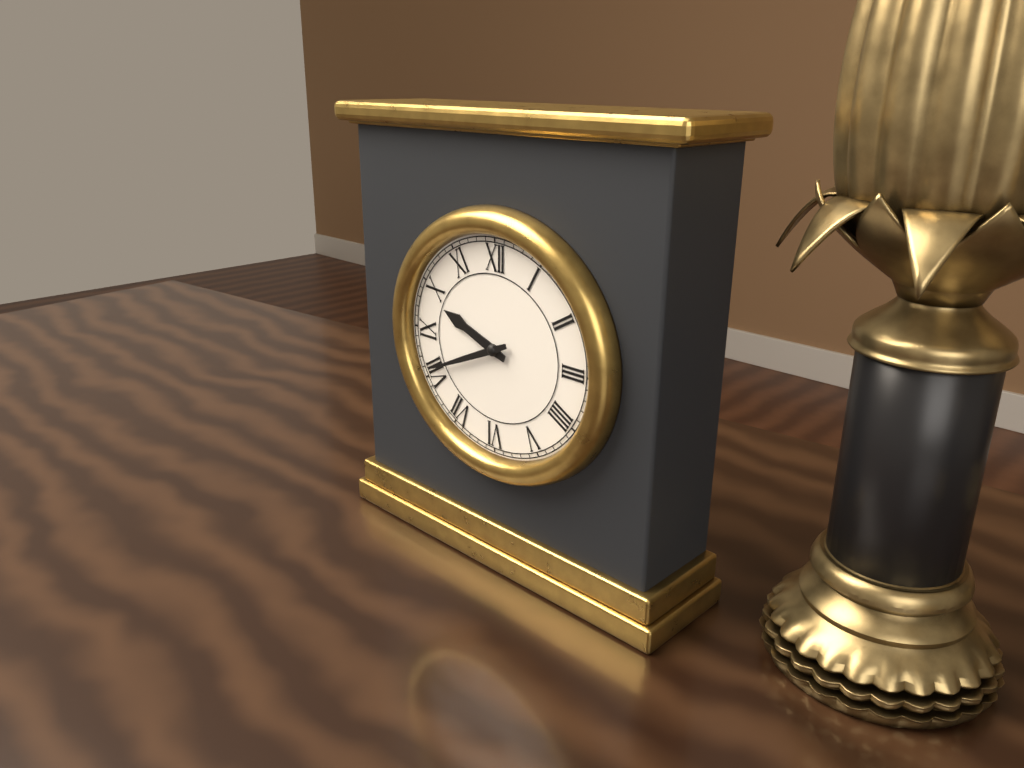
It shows 9:41
